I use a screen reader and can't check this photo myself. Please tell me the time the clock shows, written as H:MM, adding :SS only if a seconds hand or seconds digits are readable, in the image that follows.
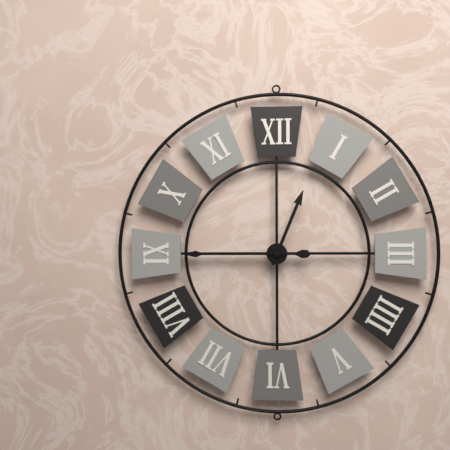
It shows 12:45
